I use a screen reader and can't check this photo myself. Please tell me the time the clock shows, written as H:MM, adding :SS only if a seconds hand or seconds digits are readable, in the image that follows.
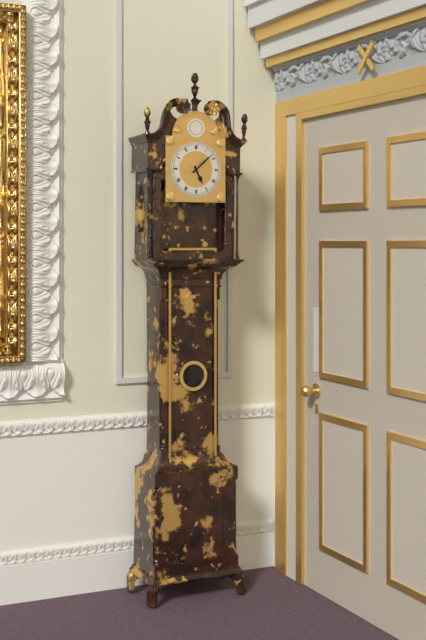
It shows 5:08
